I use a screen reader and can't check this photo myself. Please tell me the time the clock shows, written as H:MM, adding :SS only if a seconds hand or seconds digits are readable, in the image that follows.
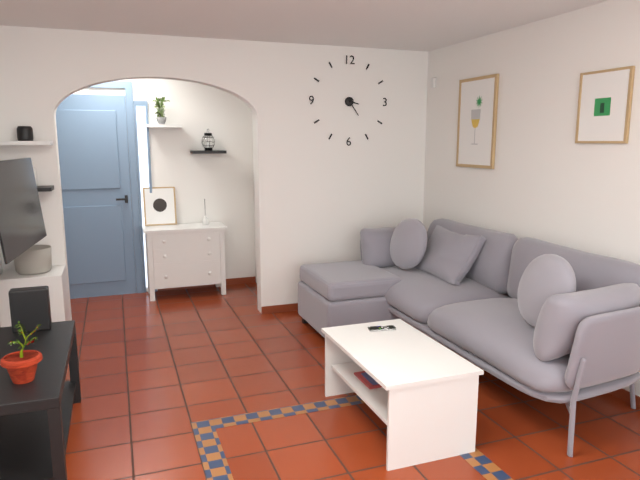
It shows 3:24
